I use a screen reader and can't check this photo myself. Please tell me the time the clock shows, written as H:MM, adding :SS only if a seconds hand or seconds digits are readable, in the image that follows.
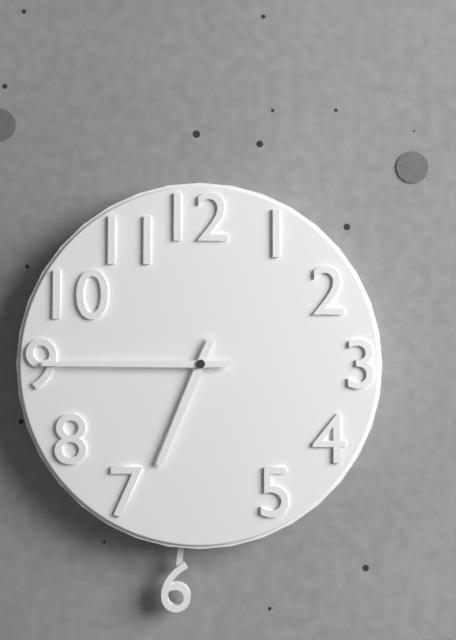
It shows 6:45
